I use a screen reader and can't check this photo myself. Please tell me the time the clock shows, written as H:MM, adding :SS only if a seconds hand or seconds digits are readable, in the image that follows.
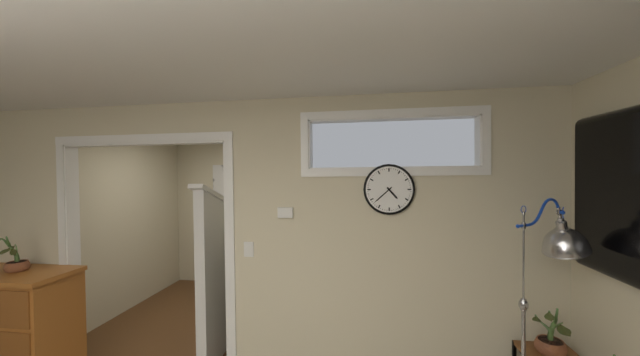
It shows 4:38
